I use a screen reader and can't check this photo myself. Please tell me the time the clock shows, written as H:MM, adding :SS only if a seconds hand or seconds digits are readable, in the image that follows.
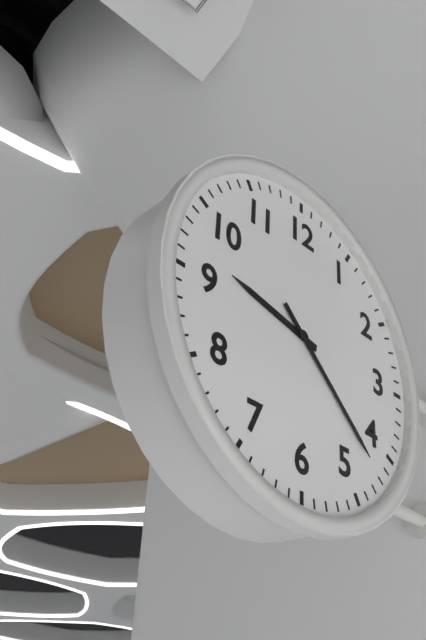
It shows 9:22
